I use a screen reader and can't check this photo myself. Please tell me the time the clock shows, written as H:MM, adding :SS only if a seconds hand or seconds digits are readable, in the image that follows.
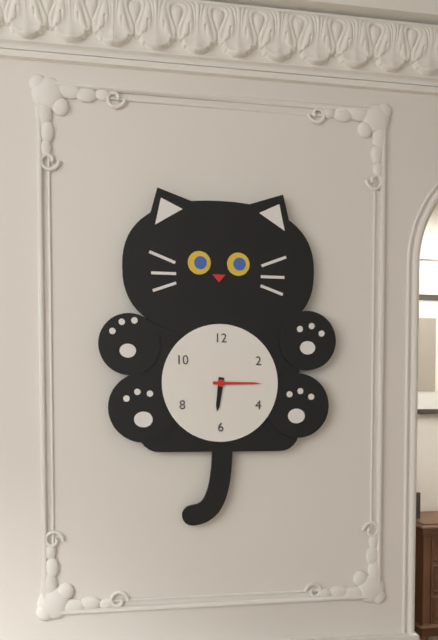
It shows 6:15
